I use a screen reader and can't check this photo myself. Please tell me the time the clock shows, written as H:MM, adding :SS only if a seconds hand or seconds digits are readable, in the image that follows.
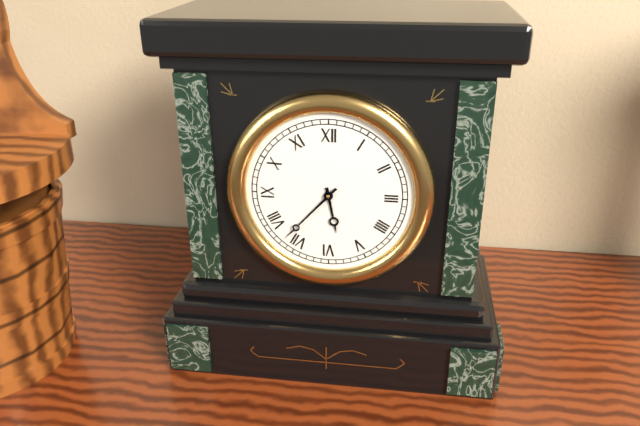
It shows 5:37
